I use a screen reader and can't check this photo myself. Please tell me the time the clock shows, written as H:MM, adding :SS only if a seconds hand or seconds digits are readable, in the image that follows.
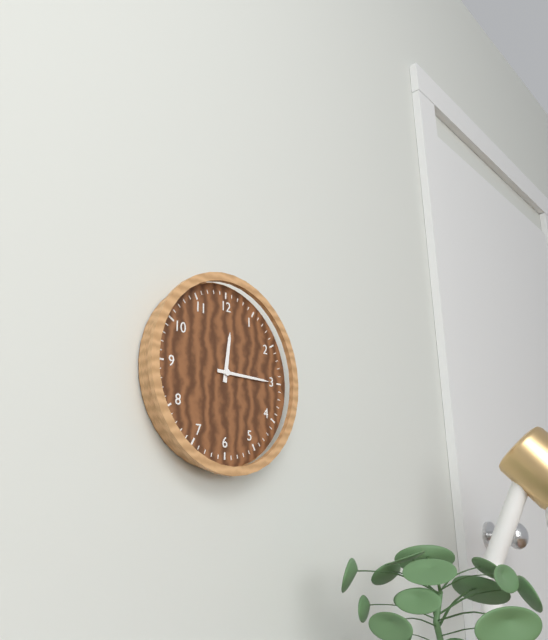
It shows 12:15
